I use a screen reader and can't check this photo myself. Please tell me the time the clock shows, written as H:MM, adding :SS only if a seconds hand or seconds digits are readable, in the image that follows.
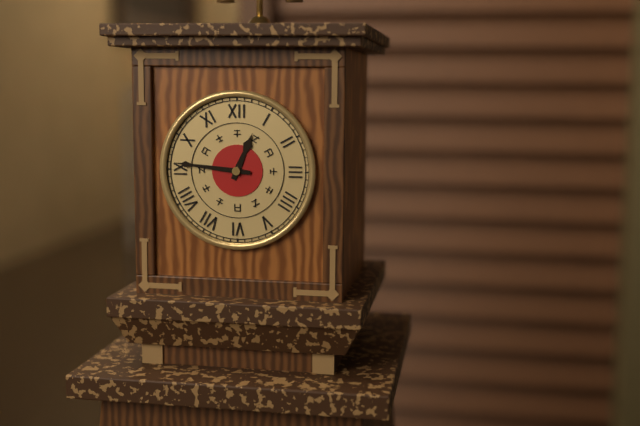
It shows 12:46
